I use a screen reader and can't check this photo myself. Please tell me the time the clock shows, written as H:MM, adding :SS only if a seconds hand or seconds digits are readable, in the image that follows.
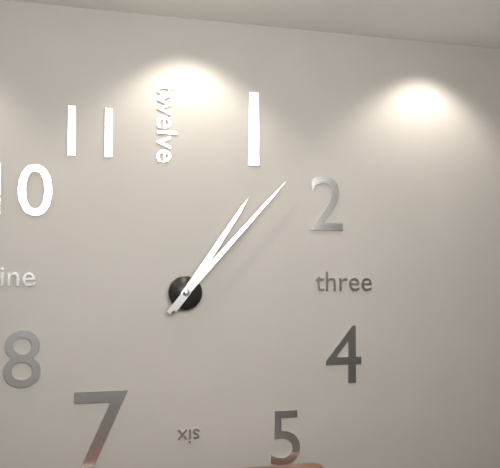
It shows 1:07
